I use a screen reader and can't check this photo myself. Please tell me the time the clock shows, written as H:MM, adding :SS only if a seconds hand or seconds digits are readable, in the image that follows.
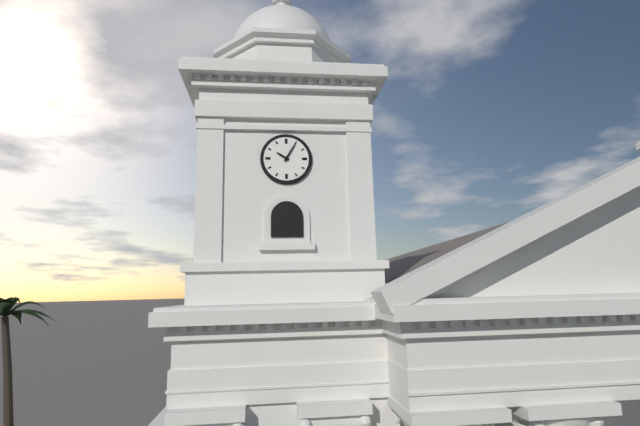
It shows 10:05
